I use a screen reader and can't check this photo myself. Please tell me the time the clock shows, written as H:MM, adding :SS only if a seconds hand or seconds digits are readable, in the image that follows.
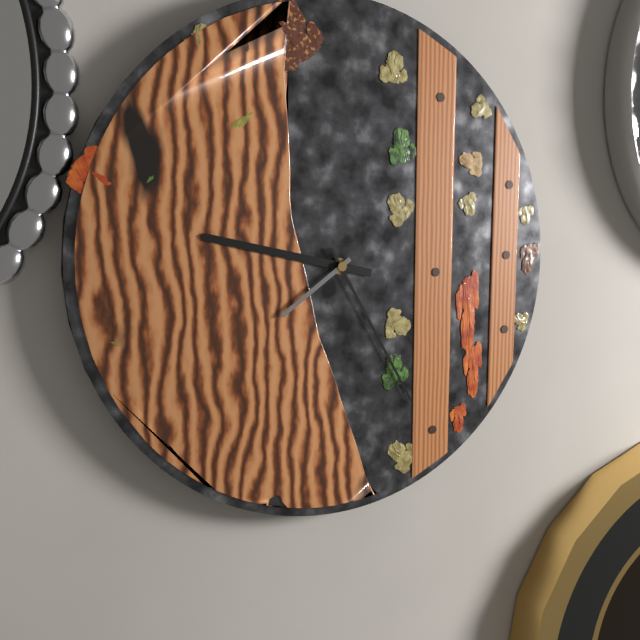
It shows 9:25:39
